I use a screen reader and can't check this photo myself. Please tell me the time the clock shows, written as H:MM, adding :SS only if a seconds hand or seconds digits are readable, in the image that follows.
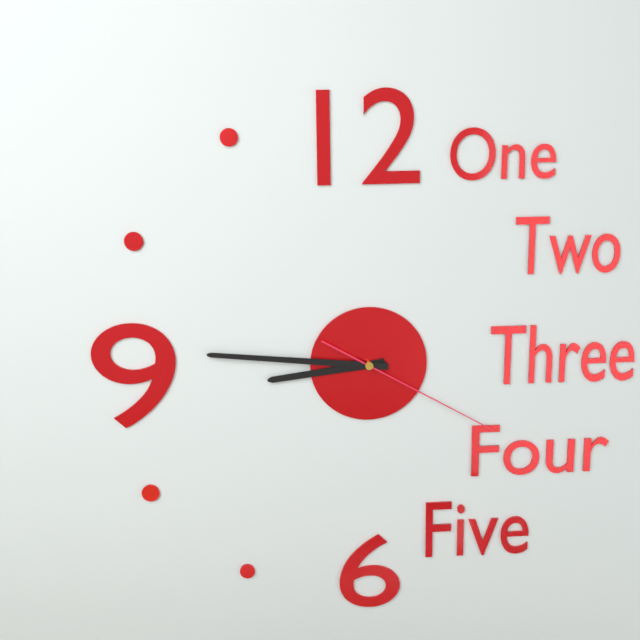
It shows 8:46:20
